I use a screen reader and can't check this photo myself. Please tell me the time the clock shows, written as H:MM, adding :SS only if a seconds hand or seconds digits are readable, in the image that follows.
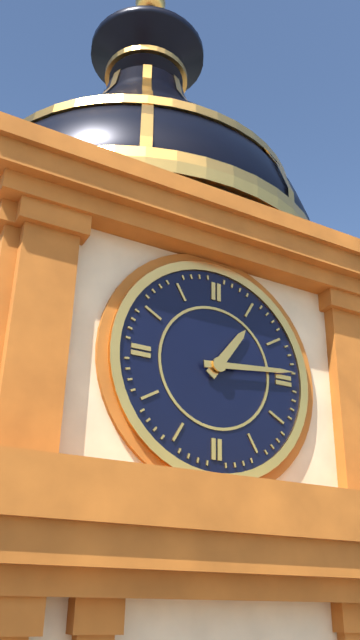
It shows 1:14
